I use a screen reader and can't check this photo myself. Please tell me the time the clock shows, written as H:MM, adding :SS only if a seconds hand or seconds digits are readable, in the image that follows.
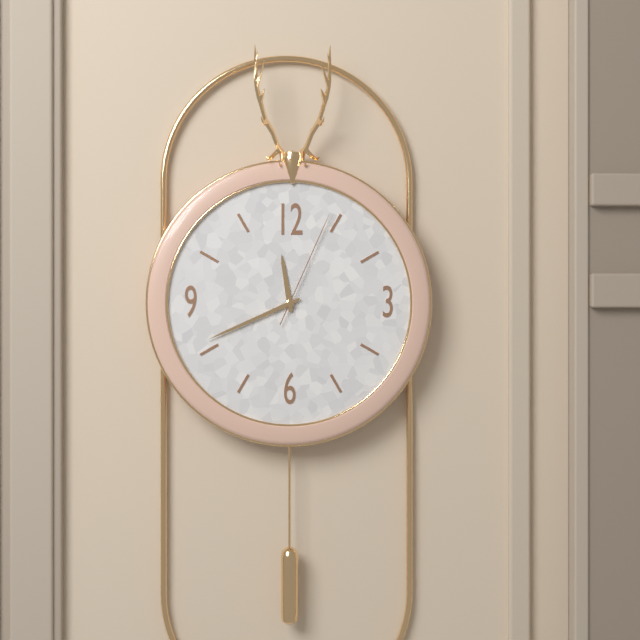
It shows 11:41:04
